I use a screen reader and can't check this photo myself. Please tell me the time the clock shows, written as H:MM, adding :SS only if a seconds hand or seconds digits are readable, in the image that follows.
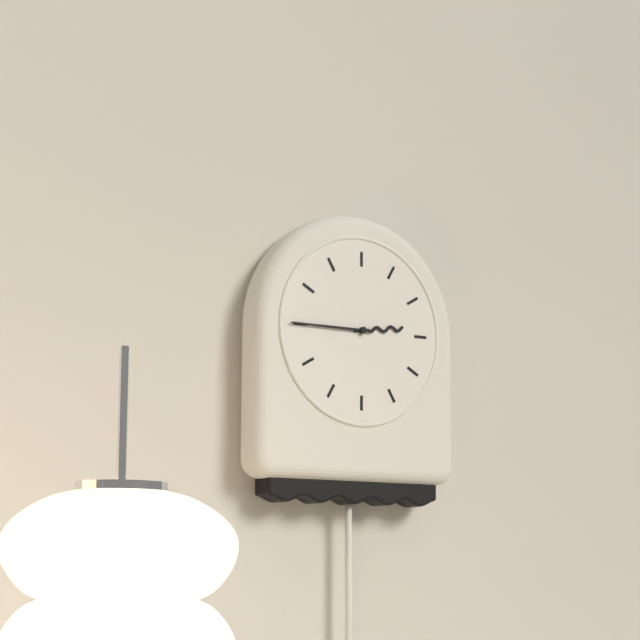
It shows 2:45
